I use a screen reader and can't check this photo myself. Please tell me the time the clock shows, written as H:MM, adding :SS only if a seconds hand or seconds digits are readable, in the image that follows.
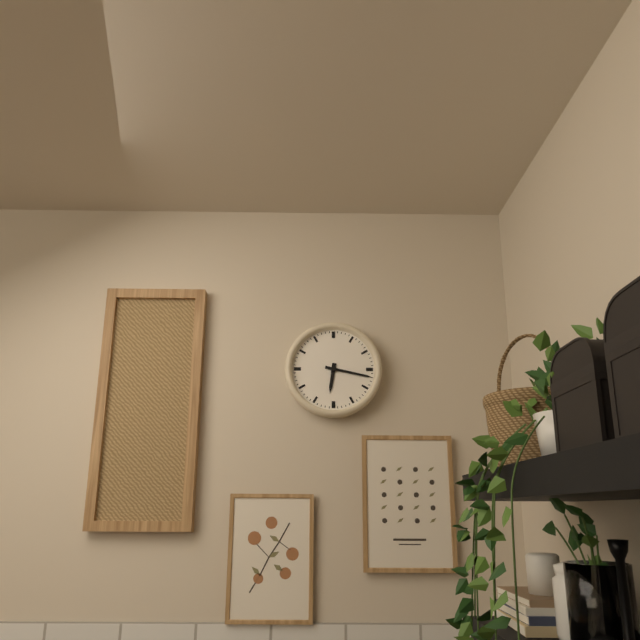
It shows 6:17
